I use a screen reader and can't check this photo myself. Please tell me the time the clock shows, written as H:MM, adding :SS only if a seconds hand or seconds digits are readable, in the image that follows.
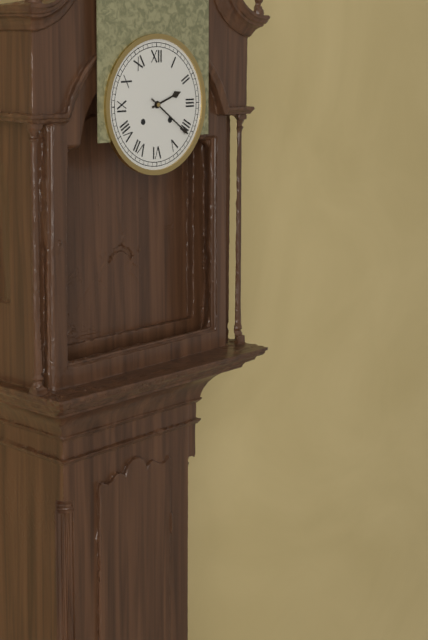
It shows 2:21
